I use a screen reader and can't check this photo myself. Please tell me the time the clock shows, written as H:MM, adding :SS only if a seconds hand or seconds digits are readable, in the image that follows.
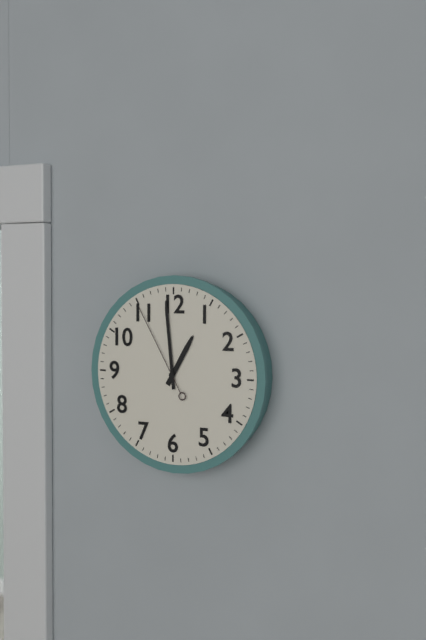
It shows 12:59:55
